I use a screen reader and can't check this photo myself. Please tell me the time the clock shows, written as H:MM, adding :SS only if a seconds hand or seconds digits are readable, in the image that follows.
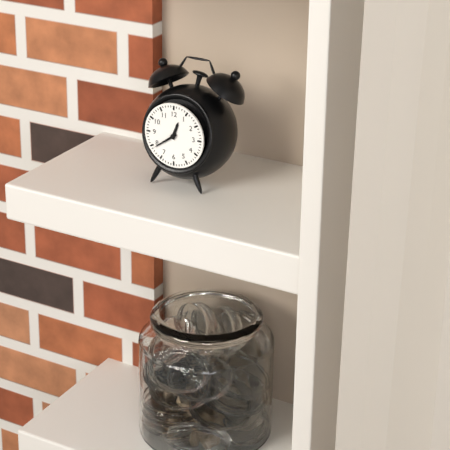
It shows 12:39
